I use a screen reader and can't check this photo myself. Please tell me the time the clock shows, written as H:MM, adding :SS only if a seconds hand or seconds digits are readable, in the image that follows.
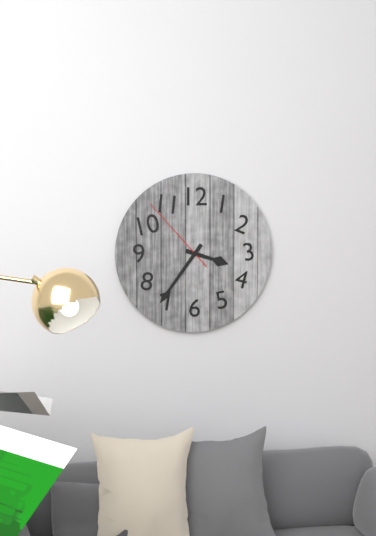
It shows 3:36:53
